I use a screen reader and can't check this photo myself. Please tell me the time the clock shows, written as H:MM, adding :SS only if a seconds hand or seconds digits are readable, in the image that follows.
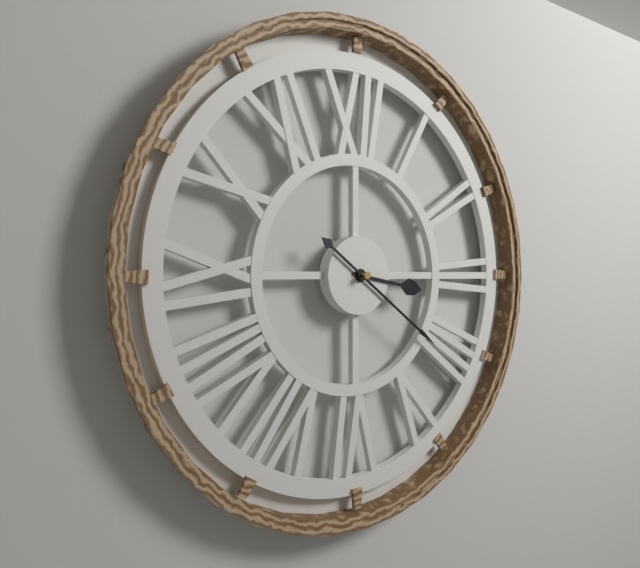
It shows 3:21
